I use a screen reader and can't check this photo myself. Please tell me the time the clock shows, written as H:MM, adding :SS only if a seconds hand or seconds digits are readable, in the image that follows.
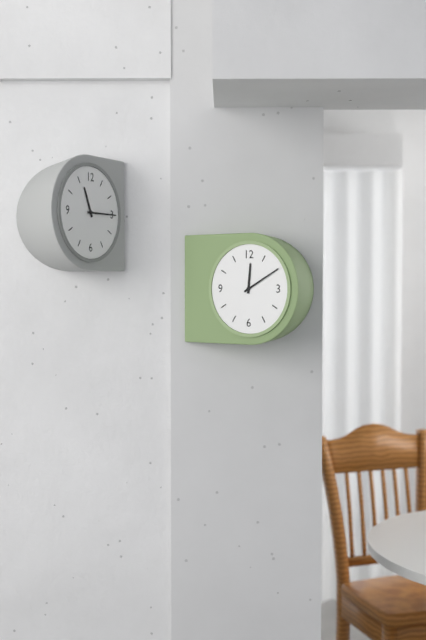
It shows 12:10
